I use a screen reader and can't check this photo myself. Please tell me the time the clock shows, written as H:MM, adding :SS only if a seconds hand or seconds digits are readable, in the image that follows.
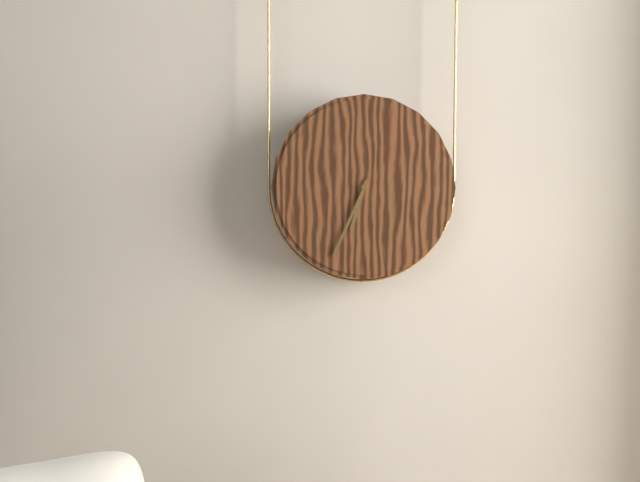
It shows 6:34
